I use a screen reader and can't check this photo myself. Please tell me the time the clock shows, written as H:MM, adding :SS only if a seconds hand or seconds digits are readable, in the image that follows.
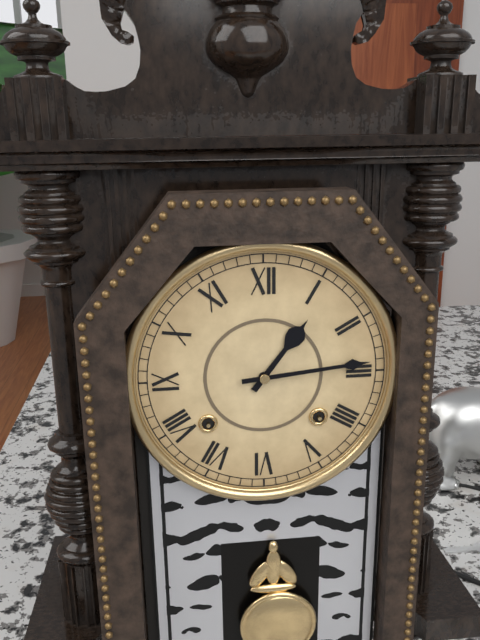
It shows 1:14
